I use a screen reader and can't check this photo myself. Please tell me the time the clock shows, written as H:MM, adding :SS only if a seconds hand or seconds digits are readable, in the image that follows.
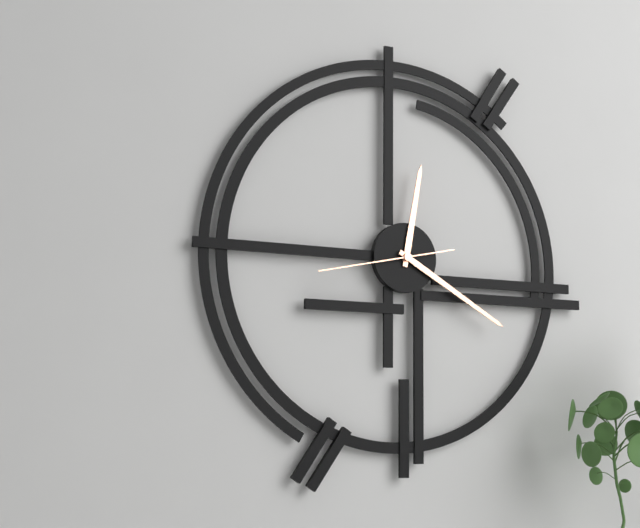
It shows 12:20:43
